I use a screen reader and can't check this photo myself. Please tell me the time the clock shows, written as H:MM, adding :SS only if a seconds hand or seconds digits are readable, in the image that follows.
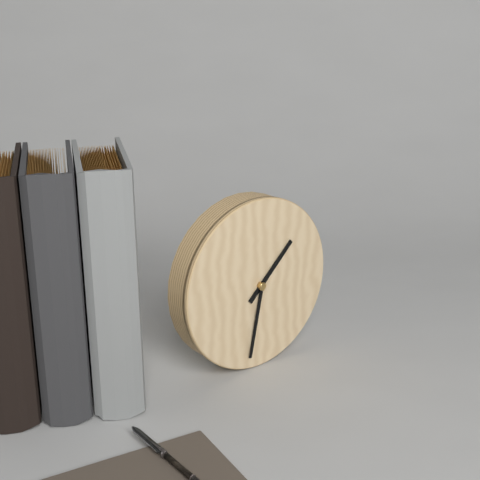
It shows 1:32
